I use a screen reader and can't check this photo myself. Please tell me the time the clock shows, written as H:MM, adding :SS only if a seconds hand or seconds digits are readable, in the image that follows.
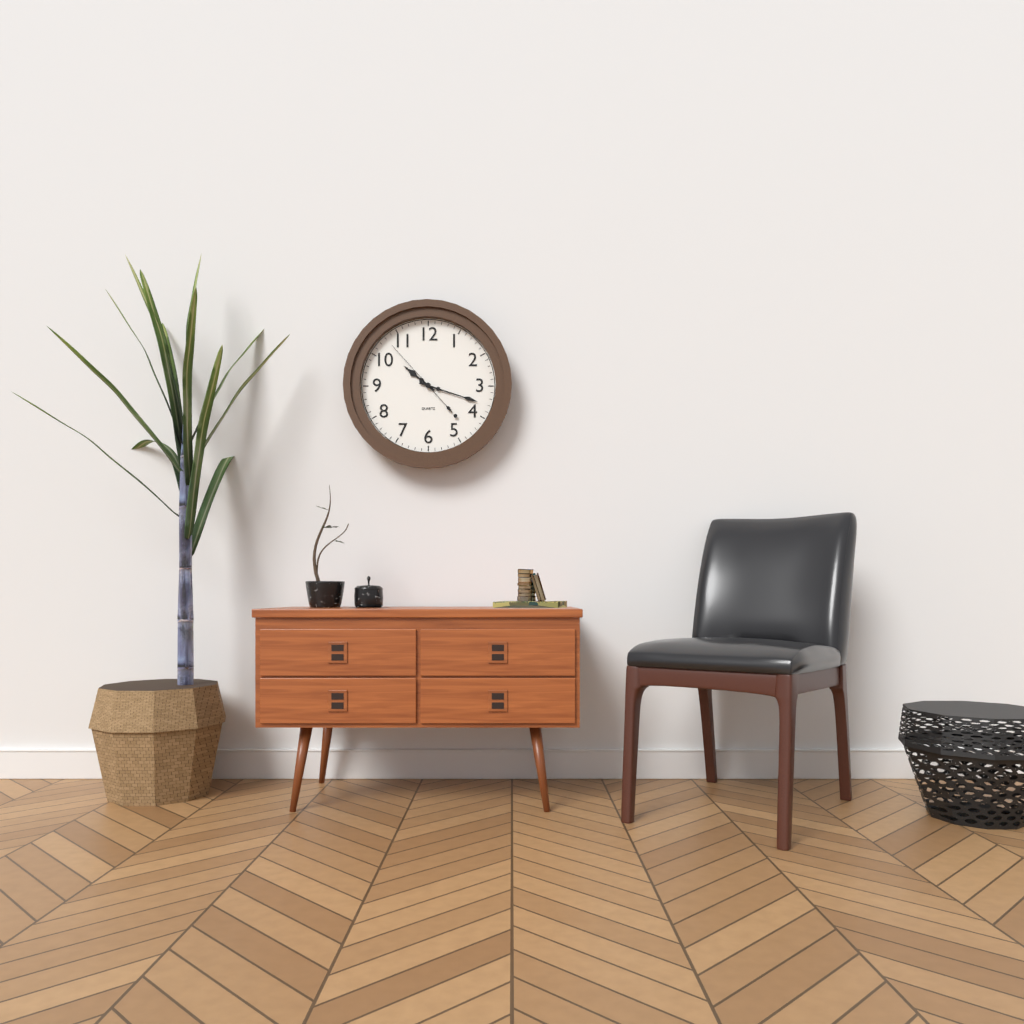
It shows 10:18:53
